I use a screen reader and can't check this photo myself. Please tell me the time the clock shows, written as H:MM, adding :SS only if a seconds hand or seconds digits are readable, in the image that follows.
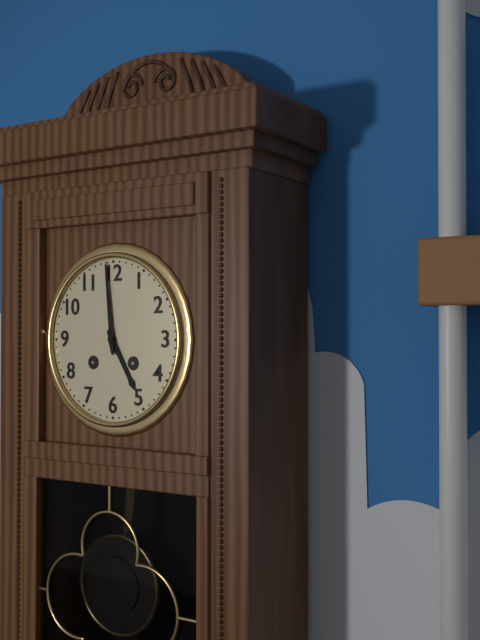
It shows 4:59
